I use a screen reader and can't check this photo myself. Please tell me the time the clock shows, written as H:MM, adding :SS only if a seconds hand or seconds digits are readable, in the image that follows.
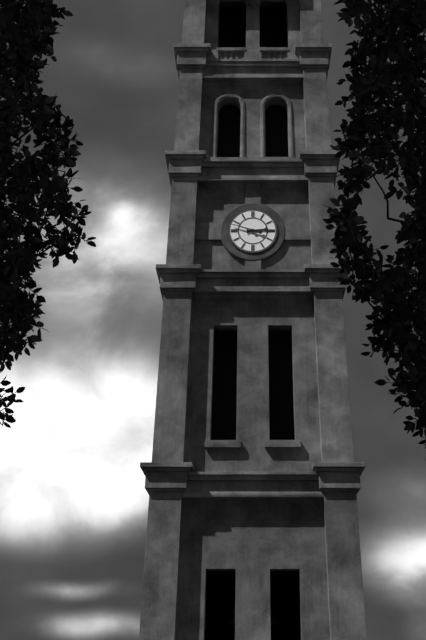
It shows 2:48
